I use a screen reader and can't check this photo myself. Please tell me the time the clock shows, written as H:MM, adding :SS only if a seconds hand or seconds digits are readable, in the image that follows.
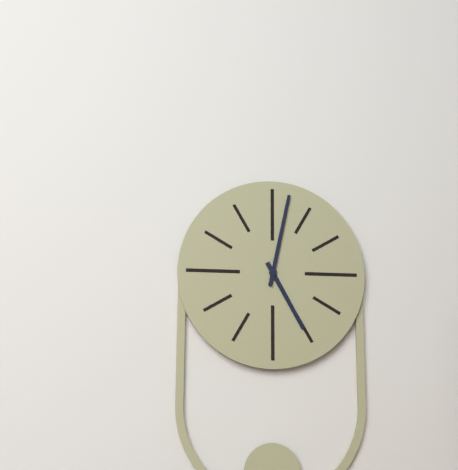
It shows 5:02
